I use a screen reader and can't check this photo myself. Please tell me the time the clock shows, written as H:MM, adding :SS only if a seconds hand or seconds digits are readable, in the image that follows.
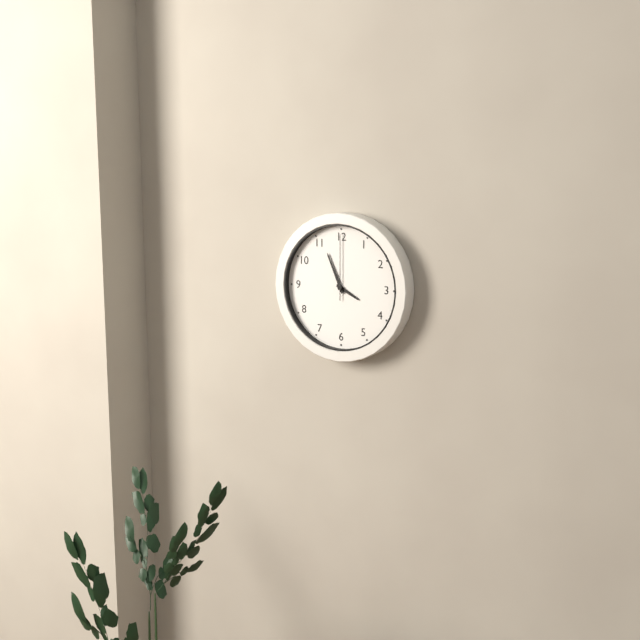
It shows 3:56:00
